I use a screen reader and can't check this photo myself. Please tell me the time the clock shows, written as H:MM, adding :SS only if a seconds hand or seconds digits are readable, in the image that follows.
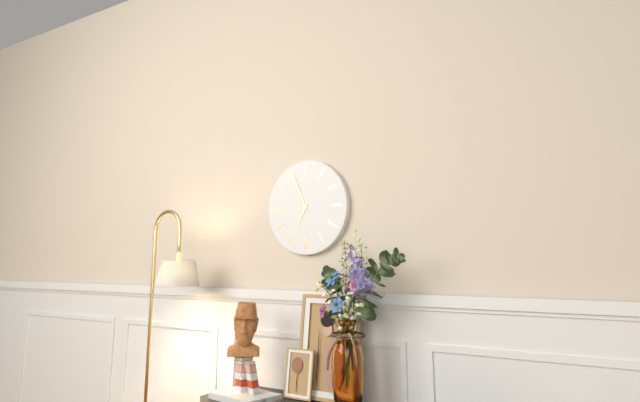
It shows 6:56
